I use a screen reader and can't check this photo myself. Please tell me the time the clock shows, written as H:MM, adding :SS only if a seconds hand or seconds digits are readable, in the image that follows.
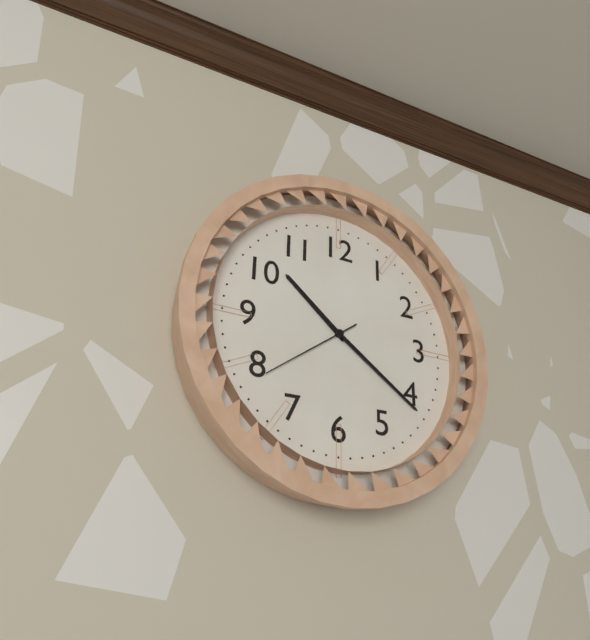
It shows 10:21:39
